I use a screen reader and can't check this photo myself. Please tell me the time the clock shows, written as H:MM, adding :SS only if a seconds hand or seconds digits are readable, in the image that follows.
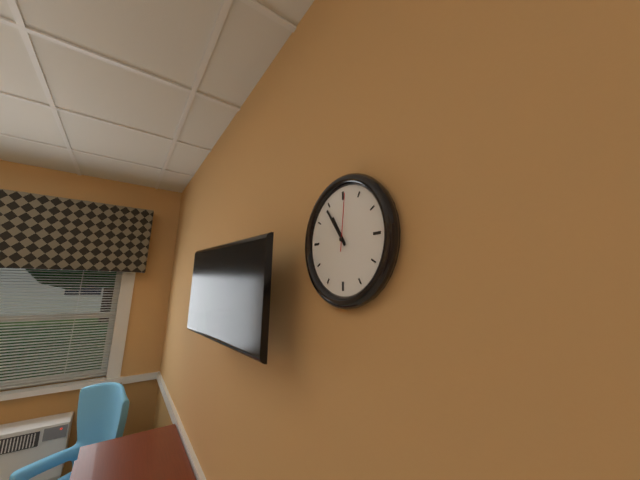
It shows 10:54:01
